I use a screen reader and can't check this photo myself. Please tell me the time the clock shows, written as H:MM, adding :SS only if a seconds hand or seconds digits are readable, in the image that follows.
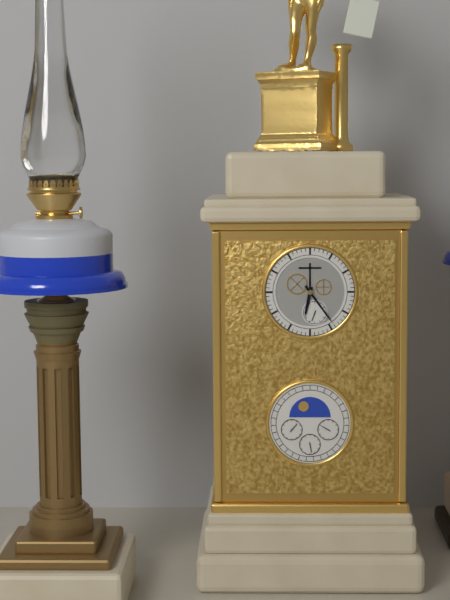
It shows 6:24
